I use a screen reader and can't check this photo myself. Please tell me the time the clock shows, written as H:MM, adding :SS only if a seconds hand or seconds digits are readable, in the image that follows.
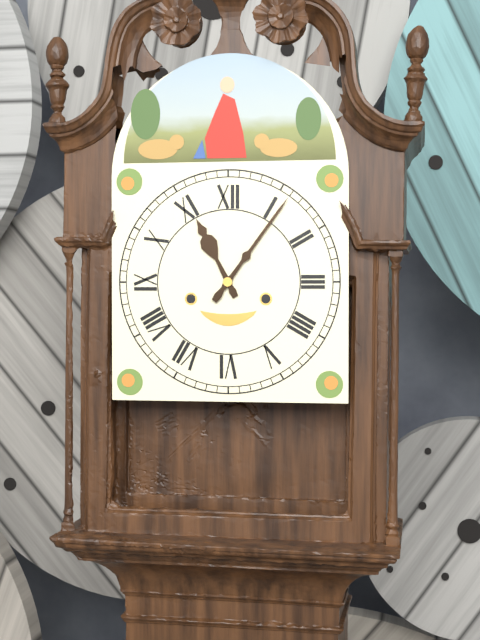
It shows 11:06
